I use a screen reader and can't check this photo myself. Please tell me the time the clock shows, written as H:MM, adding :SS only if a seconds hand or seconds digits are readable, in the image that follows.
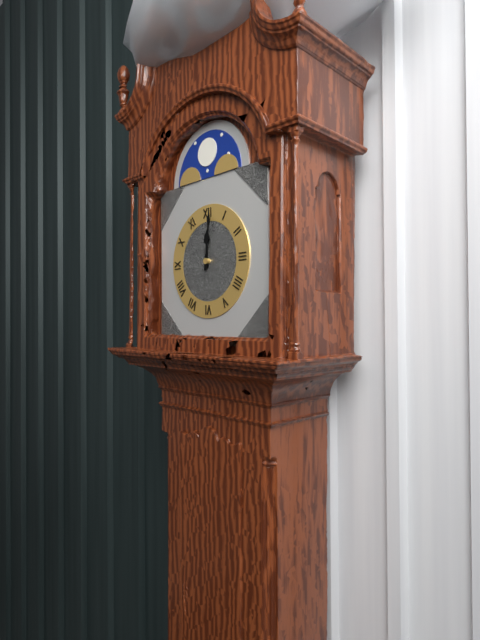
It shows 12:01
